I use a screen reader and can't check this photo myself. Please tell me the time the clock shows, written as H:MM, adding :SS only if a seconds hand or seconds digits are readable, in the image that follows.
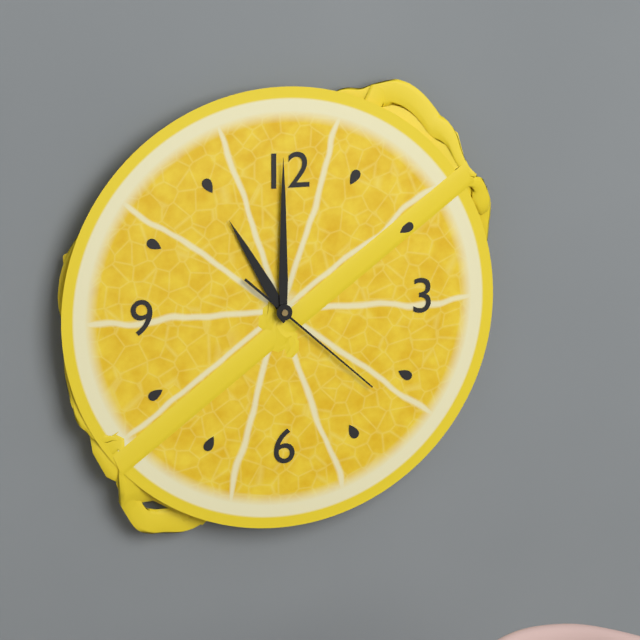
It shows 11:00:22
